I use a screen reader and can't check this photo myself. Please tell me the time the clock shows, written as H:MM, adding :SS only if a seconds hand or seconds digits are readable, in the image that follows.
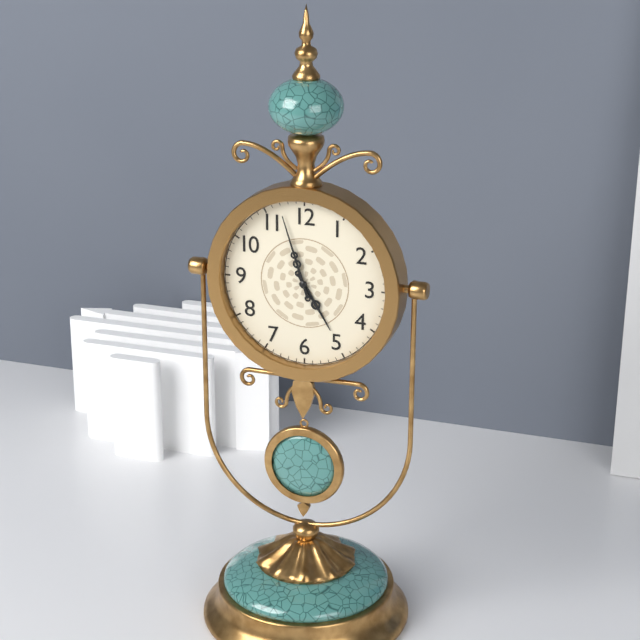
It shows 4:57
